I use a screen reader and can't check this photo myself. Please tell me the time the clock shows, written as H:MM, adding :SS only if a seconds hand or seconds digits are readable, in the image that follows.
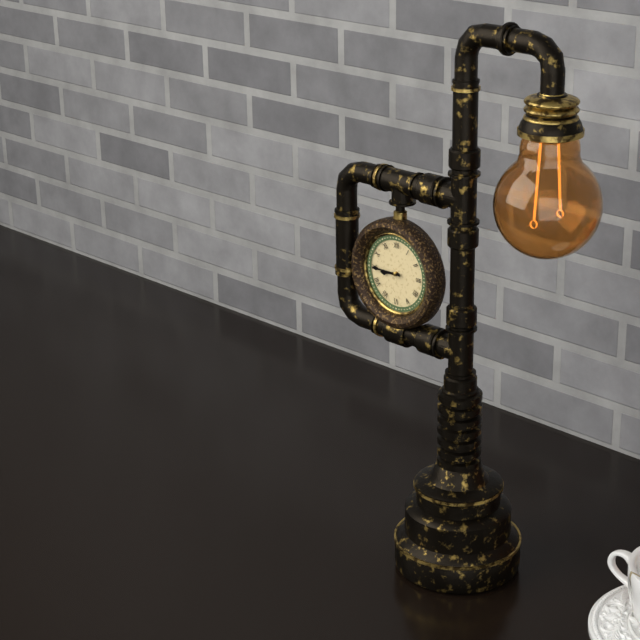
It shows 8:45
